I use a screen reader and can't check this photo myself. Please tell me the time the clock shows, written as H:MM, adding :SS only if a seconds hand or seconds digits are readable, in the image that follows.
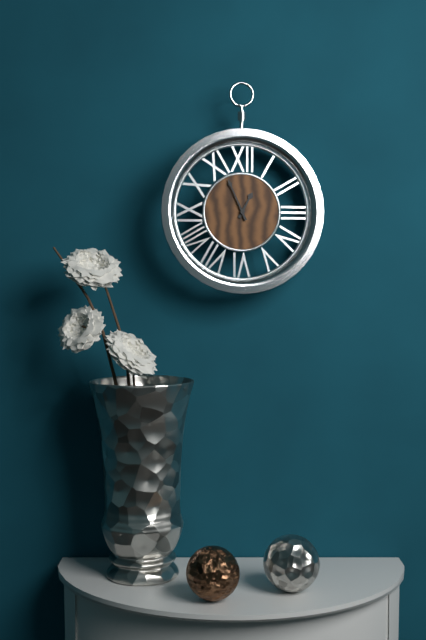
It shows 12:56
